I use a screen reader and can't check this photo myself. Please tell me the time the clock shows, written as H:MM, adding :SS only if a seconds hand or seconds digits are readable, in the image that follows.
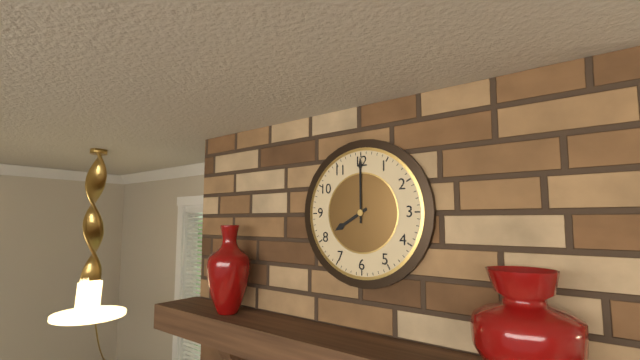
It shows 8:00
